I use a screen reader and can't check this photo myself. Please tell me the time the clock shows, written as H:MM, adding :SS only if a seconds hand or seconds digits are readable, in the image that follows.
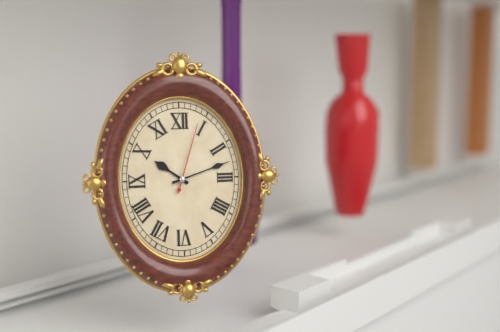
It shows 10:12:03
